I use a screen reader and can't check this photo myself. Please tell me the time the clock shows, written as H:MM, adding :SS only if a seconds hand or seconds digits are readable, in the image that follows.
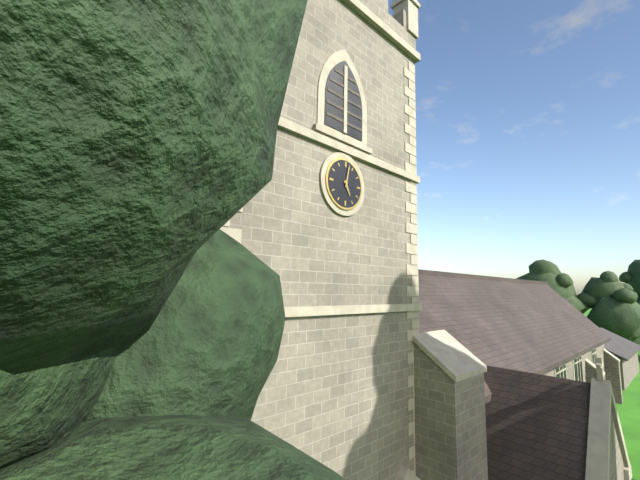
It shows 5:02
